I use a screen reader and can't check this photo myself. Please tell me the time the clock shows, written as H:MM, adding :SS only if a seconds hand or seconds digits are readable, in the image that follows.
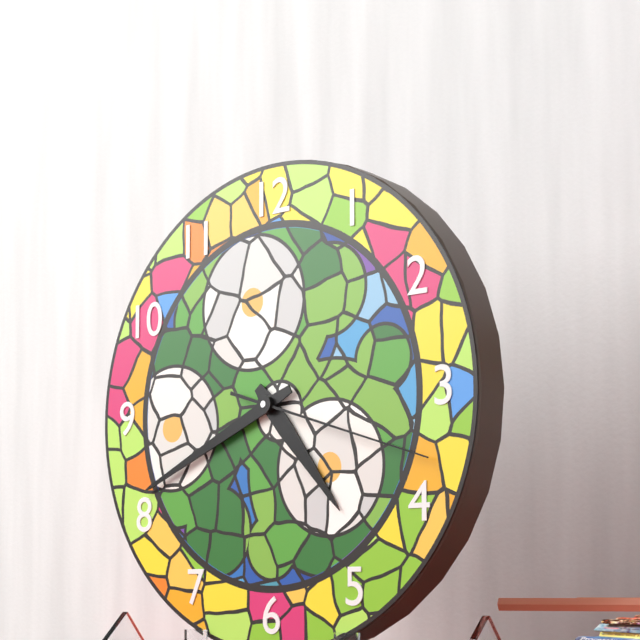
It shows 4:41:18
